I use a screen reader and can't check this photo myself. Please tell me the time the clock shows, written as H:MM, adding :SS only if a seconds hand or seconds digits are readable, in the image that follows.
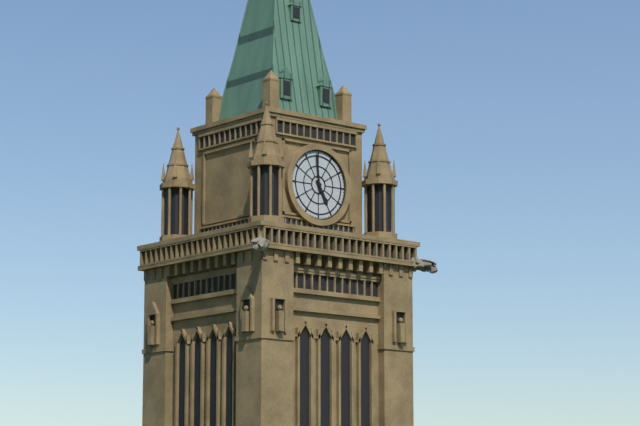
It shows 4:59
